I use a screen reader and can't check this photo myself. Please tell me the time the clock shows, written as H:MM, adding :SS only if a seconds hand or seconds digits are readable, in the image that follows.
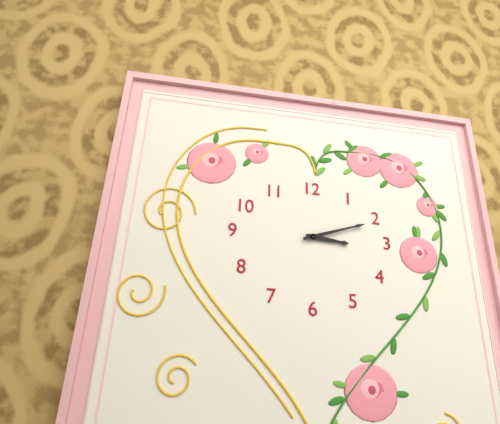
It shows 3:12
